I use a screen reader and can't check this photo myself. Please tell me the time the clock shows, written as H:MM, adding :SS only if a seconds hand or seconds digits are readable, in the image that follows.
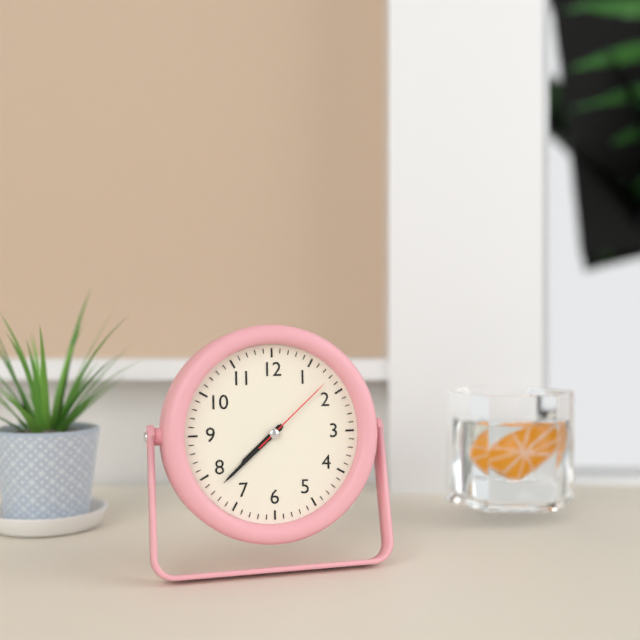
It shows 7:38:08
